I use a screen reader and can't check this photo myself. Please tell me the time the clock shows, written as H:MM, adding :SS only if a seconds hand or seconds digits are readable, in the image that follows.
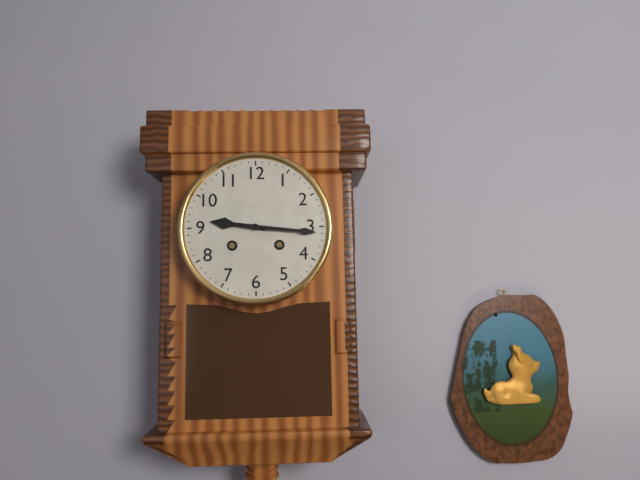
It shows 9:16
